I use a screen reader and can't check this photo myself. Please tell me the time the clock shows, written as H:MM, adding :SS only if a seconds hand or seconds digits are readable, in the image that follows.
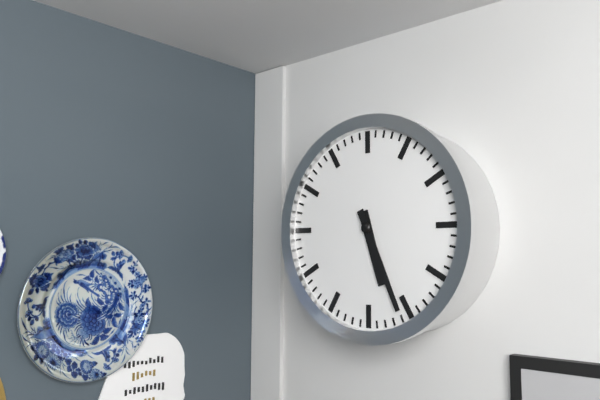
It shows 5:26
